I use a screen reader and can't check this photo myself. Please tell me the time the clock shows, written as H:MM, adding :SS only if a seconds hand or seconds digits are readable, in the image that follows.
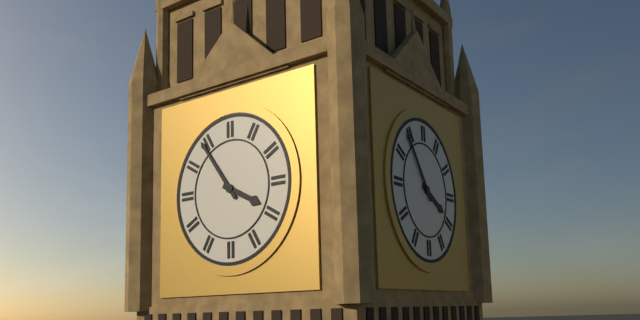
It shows 3:54
